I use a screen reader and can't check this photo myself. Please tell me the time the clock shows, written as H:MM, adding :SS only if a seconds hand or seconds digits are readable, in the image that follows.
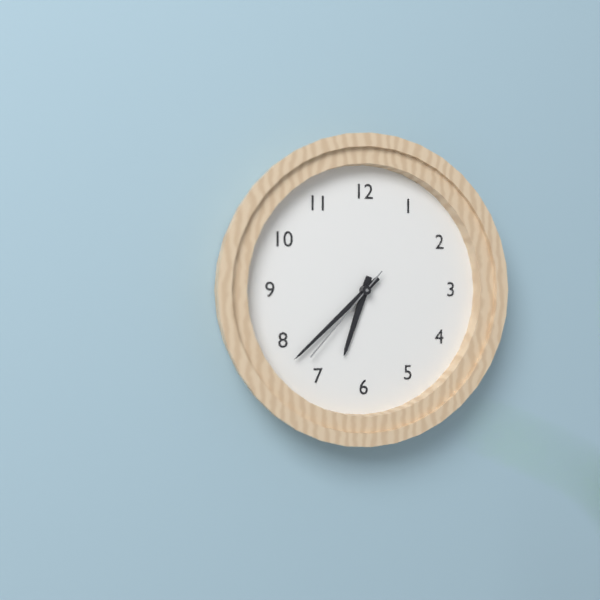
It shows 6:38:37
